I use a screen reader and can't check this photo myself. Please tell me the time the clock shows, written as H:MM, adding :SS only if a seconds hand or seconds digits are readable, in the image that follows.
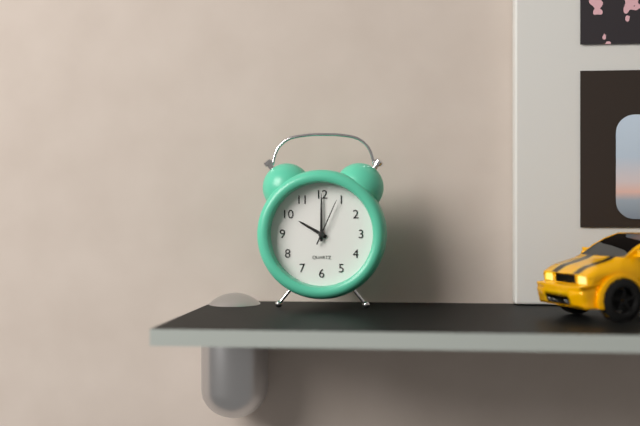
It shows 10:00
